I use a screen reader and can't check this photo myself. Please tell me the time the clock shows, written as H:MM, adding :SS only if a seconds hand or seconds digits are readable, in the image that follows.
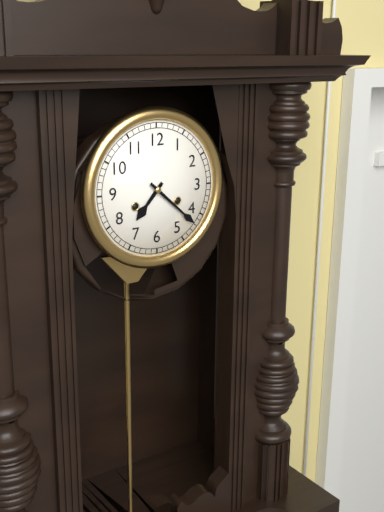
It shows 7:22
